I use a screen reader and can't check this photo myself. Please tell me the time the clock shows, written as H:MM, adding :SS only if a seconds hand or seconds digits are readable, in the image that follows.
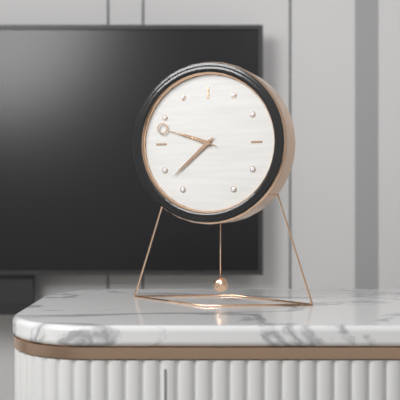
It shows 9:38:48
